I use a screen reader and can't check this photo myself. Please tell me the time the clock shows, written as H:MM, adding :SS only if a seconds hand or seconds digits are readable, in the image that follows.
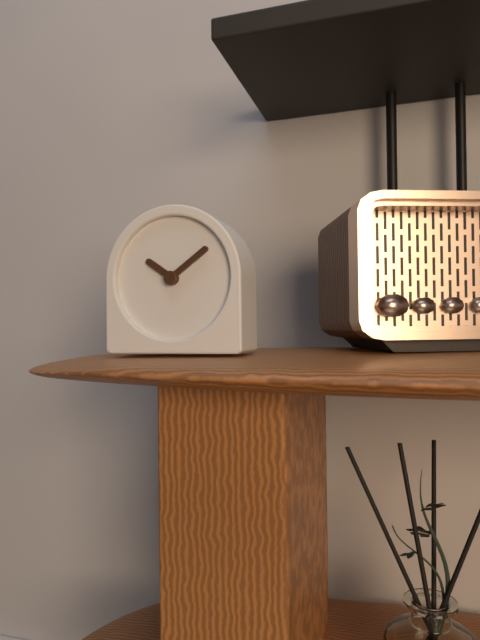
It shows 10:09
